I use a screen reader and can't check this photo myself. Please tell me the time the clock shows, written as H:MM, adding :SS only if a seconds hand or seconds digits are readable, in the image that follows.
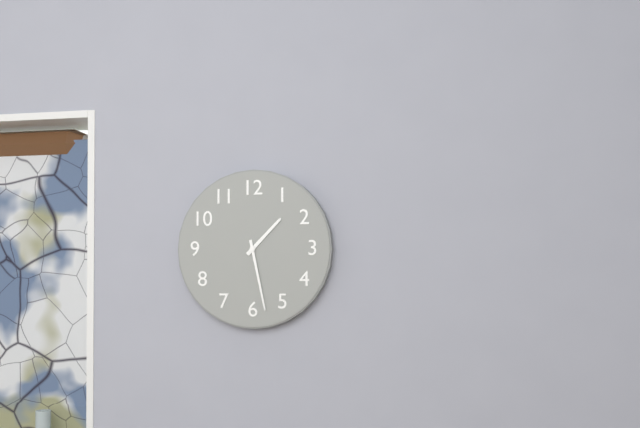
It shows 1:28
